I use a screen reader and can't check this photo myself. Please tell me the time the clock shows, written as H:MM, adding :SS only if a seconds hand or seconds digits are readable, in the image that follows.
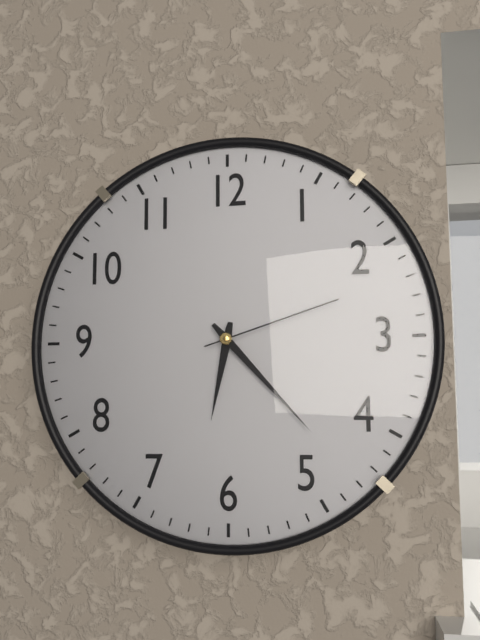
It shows 6:23:12
